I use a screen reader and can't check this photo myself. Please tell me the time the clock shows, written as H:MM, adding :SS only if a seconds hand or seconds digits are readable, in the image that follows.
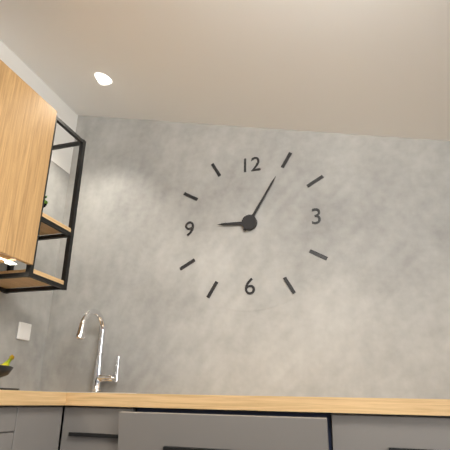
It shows 9:05
